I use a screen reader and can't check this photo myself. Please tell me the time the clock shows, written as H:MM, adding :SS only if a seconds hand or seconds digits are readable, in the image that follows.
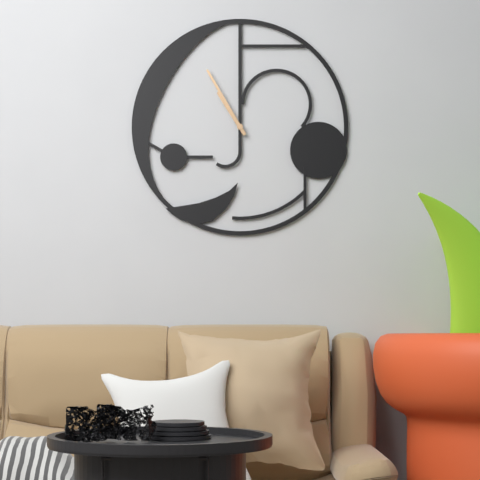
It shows 10:55
